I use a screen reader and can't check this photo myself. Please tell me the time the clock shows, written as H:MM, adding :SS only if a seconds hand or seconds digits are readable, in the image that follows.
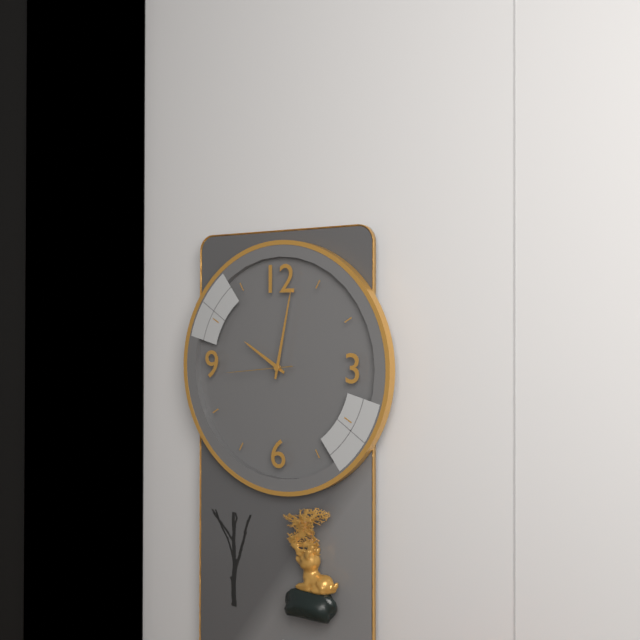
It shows 10:02:44
